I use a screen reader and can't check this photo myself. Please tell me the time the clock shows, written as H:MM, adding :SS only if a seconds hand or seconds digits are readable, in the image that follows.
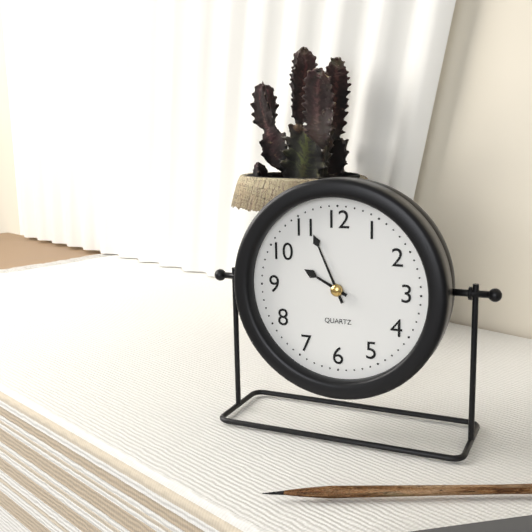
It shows 9:56
